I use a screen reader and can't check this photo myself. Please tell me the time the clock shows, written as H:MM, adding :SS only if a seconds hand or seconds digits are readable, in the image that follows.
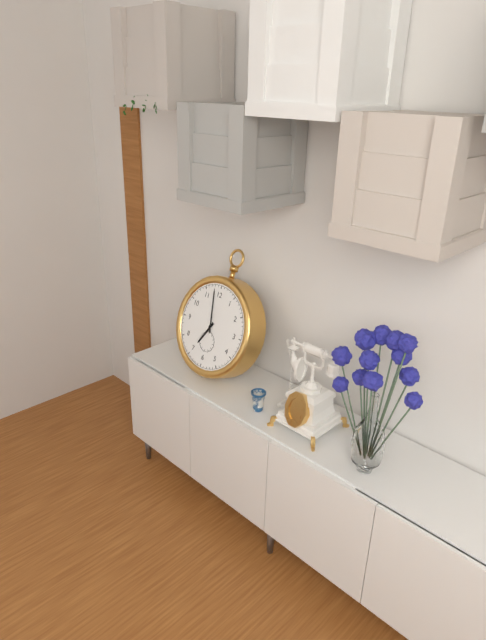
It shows 6:58
